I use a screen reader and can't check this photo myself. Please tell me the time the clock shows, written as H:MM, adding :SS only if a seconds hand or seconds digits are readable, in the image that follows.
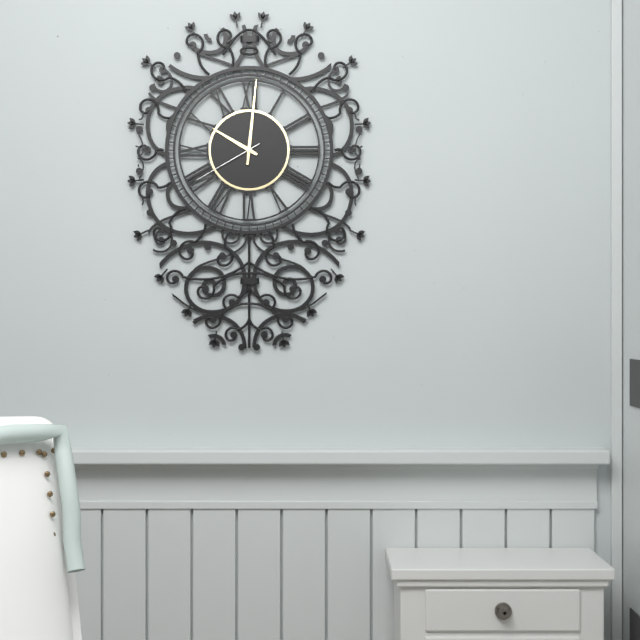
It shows 10:01:40
